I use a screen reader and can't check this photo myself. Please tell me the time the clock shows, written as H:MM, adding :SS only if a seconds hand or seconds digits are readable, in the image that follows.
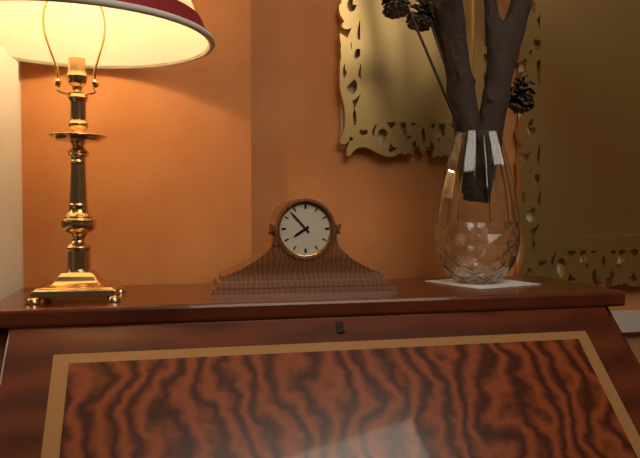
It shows 7:53
